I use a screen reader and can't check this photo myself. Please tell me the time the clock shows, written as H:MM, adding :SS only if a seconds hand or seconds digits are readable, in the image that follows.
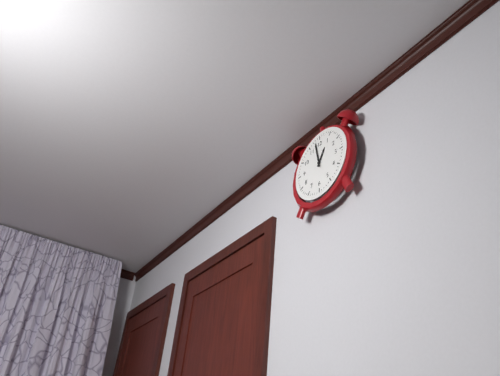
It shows 12:58
